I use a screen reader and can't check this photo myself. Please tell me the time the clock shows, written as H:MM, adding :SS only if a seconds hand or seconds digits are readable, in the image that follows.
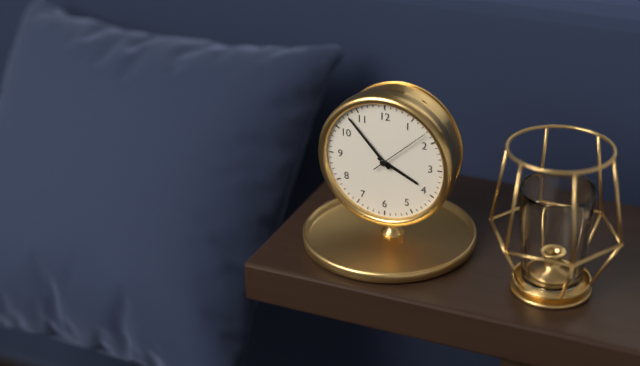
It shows 3:53:08
